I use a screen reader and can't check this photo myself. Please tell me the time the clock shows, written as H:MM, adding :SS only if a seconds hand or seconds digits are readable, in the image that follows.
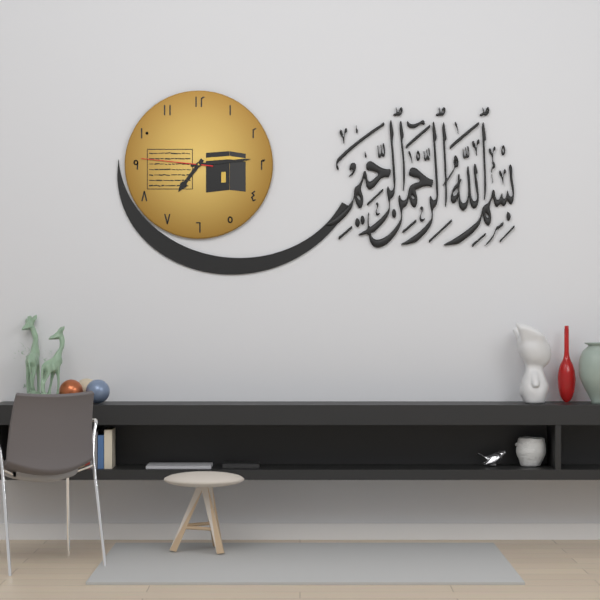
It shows 7:14:46
